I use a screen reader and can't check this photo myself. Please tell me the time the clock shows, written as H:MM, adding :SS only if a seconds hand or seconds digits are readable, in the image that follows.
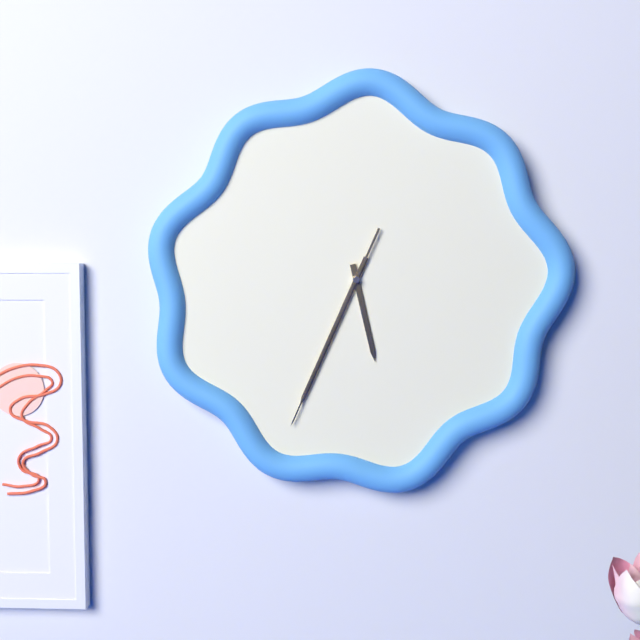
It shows 5:34:34
